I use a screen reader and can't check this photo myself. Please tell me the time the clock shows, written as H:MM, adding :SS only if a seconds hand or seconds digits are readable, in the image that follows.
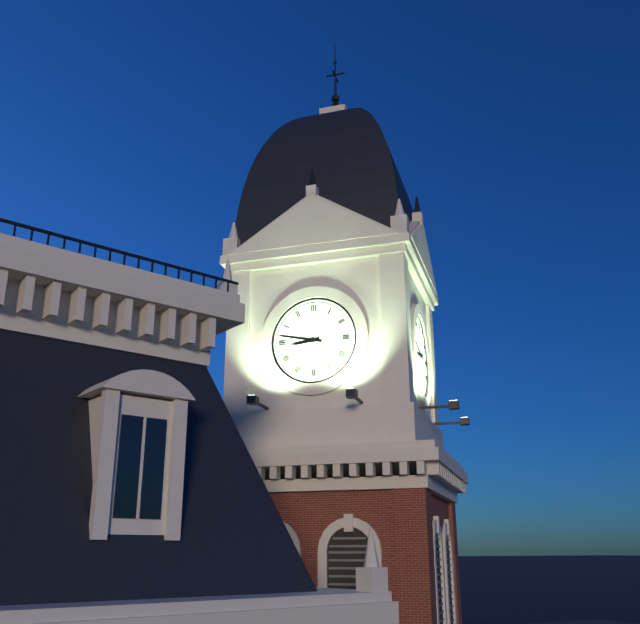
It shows 8:47
